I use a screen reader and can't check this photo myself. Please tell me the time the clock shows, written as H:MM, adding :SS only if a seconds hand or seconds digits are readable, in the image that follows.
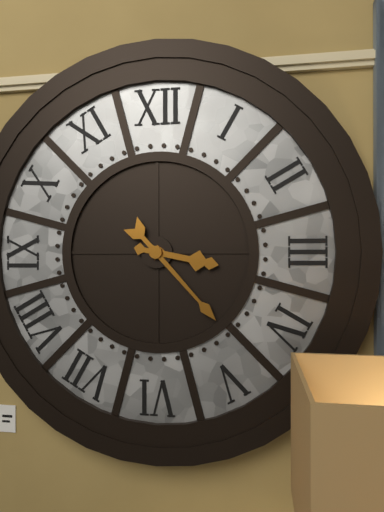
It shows 3:23
